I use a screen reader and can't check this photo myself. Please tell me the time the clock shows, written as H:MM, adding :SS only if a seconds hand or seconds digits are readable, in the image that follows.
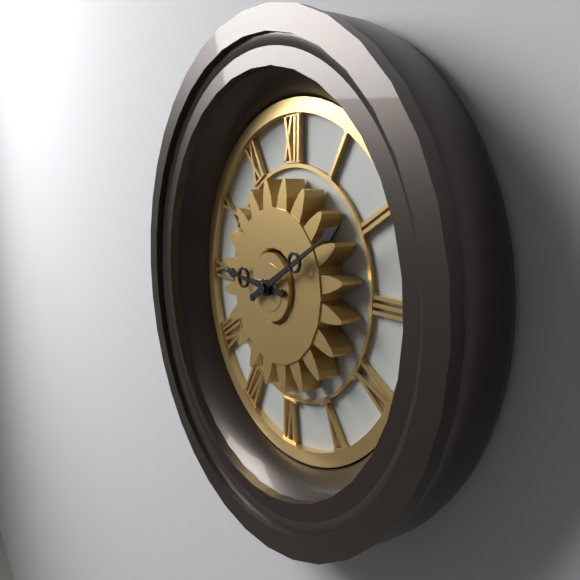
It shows 9:10
